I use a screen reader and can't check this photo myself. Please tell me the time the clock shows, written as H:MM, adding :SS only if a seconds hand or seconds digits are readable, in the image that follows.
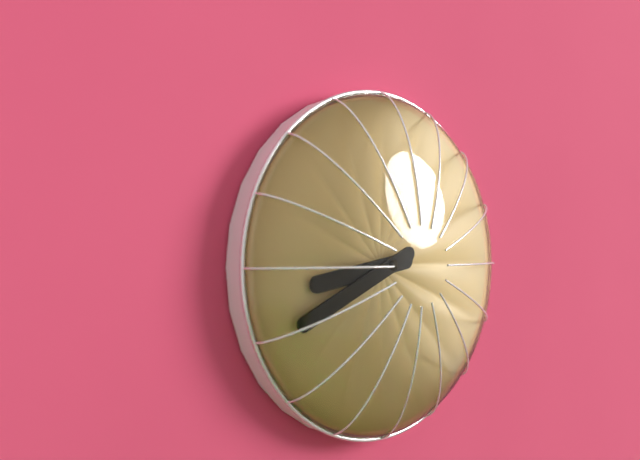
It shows 8:41
